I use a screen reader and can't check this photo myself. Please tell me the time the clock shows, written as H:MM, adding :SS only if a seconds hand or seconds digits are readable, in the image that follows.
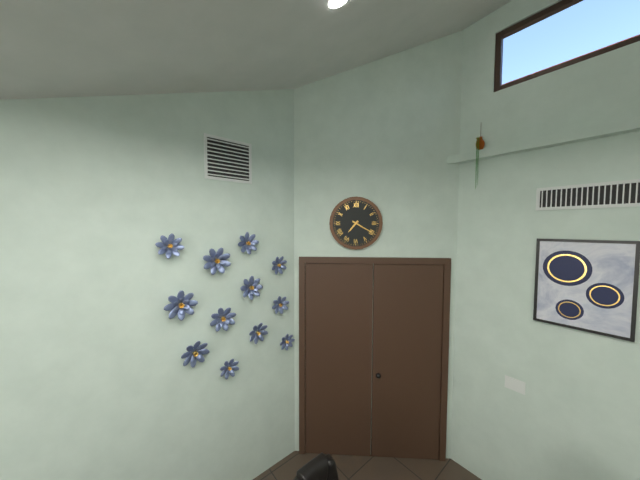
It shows 7:20
